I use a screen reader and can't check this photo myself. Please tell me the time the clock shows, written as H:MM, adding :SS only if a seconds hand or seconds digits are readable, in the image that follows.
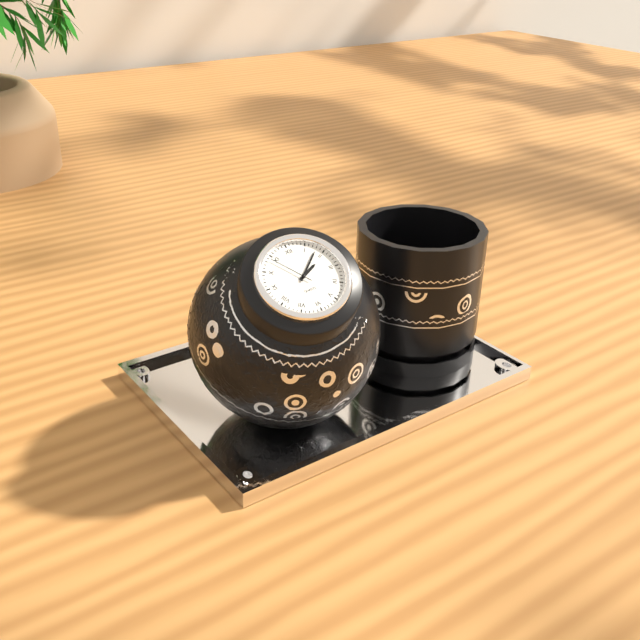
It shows 2:08:54
